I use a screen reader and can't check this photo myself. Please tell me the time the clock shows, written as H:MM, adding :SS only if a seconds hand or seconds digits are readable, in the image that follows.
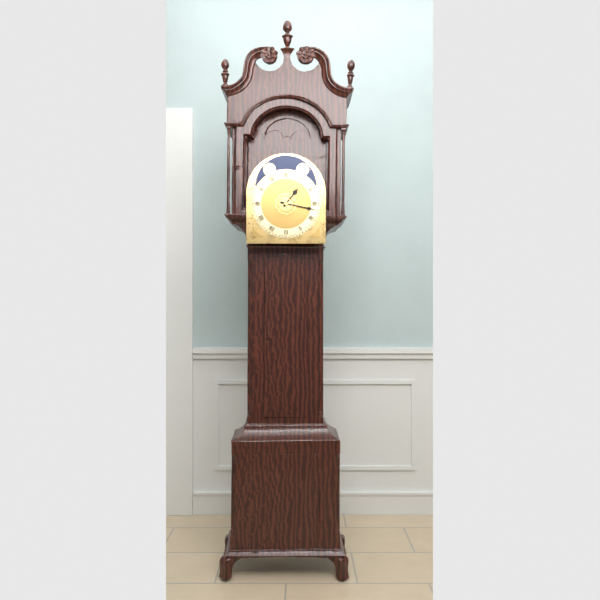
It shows 1:17
